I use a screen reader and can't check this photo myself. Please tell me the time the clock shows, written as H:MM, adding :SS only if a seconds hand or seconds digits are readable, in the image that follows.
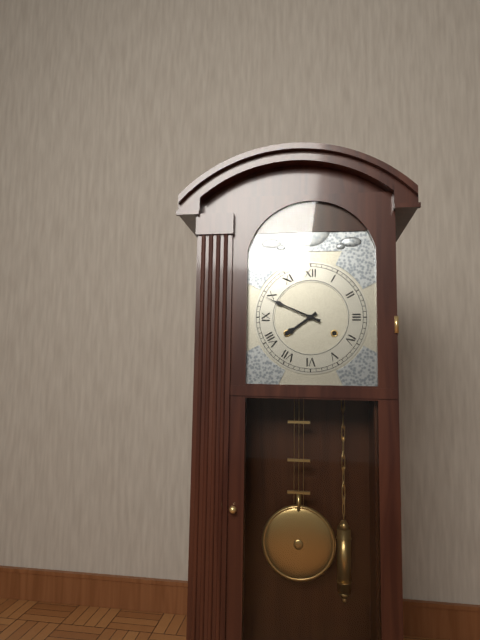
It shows 7:49
